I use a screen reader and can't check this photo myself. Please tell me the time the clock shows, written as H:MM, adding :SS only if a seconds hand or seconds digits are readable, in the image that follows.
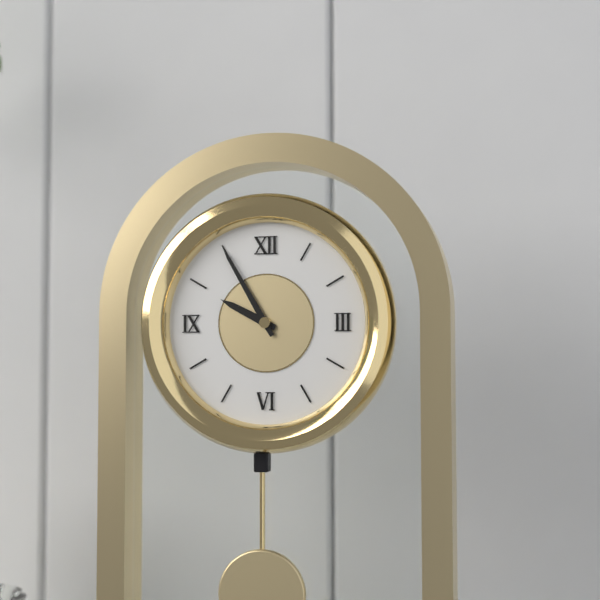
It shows 9:55
